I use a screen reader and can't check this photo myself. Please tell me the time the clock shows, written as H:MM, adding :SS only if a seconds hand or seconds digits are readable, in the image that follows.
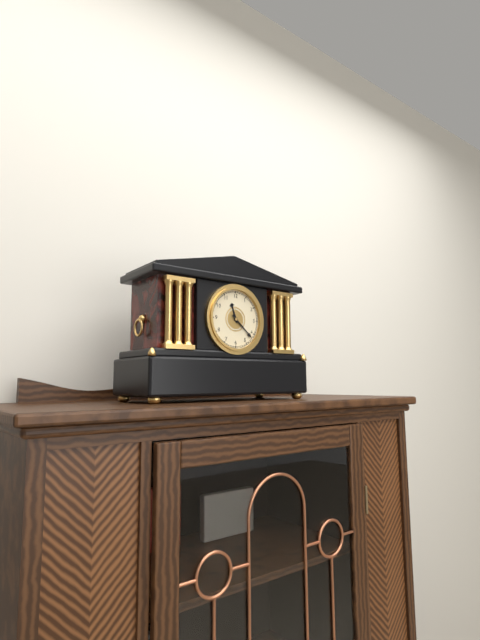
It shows 11:22
